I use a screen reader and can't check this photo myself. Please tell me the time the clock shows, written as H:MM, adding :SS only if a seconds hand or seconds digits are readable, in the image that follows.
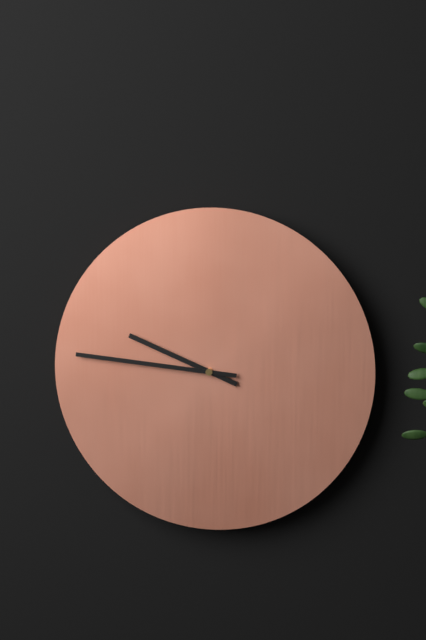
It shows 9:46
